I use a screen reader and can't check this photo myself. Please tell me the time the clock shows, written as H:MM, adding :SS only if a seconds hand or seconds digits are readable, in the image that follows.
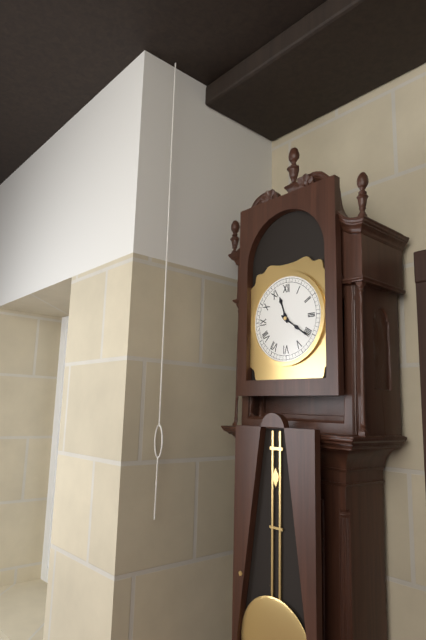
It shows 11:21
